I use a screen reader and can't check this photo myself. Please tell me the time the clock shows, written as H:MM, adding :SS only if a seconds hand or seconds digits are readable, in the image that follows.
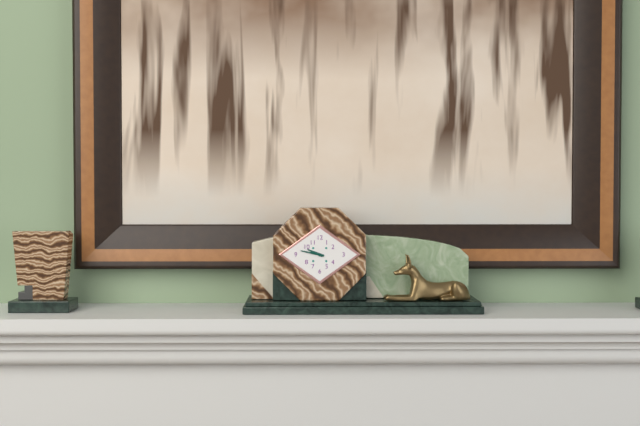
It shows 9:47
